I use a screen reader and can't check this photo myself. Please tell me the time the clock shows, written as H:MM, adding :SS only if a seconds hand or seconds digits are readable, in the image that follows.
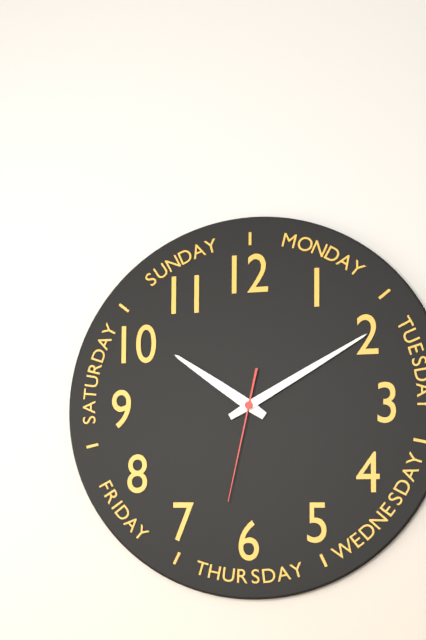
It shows 10:10:32
